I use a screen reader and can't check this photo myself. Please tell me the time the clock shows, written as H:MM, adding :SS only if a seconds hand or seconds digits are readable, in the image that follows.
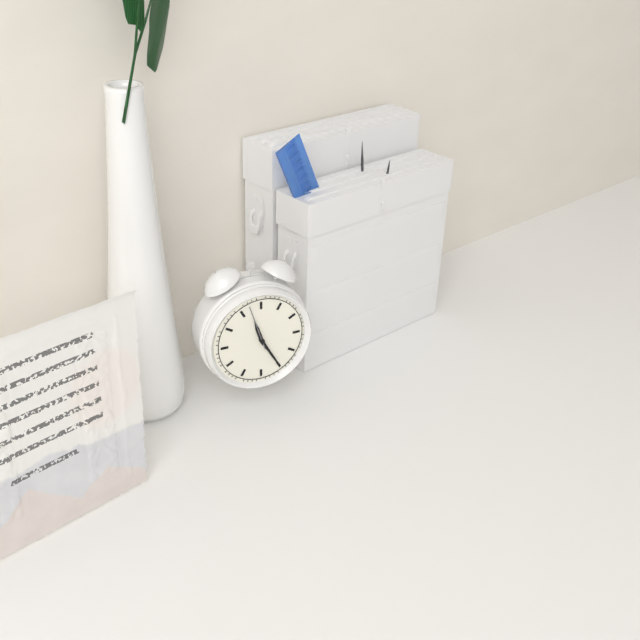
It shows 11:25
